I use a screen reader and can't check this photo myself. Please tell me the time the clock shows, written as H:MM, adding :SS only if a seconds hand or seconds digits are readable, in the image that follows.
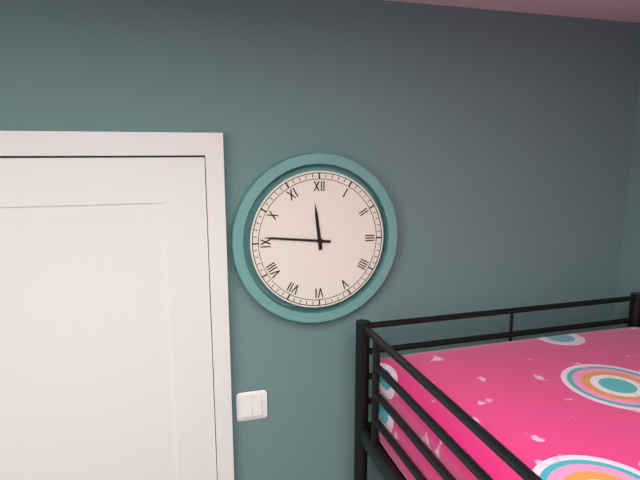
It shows 11:46
